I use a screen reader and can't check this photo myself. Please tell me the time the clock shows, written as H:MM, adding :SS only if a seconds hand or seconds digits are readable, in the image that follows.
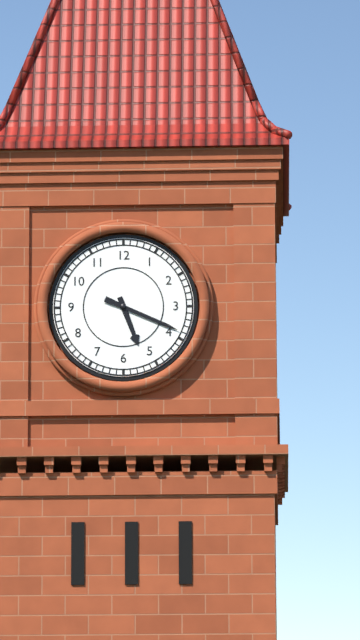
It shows 5:19
